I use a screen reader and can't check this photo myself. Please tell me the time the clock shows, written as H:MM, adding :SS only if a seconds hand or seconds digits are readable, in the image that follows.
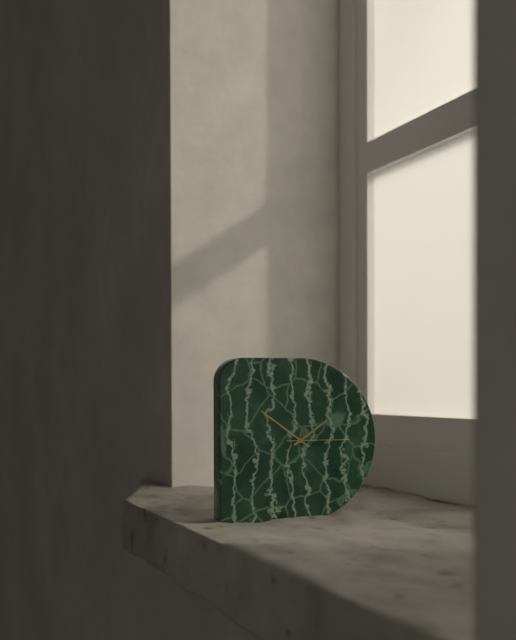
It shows 1:51:15
